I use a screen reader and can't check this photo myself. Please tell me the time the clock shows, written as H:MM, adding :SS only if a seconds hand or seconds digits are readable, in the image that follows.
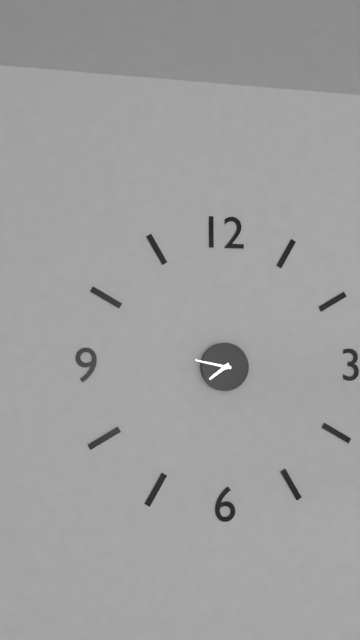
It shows 7:47
